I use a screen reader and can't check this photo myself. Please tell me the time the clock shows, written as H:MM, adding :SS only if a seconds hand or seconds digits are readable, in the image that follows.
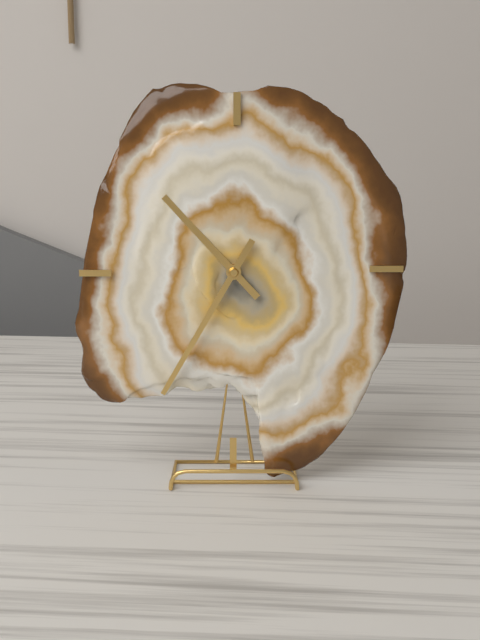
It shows 10:35
